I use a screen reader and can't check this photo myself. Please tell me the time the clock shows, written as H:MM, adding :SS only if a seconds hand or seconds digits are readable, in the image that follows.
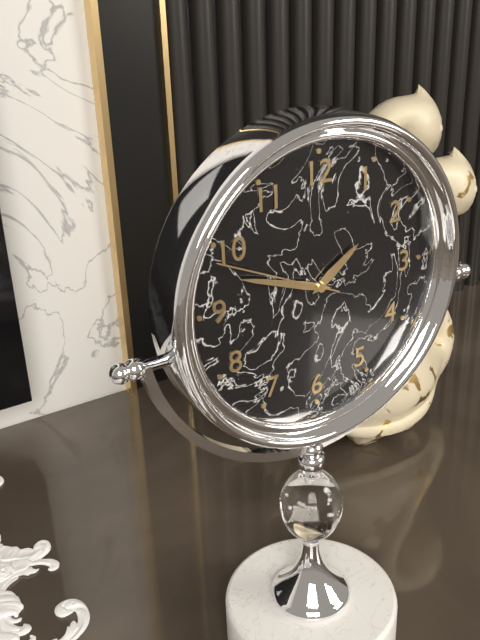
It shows 1:48:49
